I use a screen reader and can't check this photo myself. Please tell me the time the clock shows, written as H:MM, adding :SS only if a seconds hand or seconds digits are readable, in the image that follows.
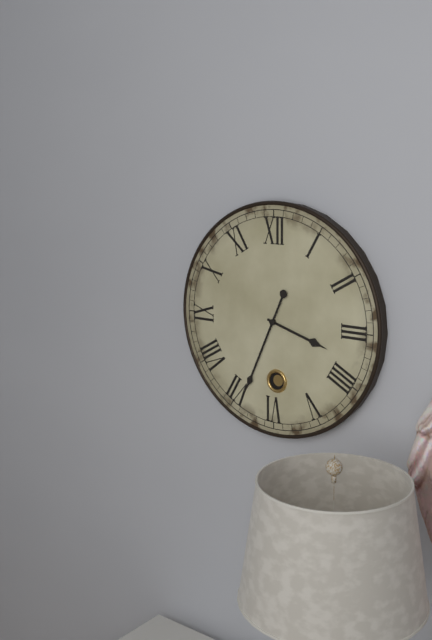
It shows 3:34
